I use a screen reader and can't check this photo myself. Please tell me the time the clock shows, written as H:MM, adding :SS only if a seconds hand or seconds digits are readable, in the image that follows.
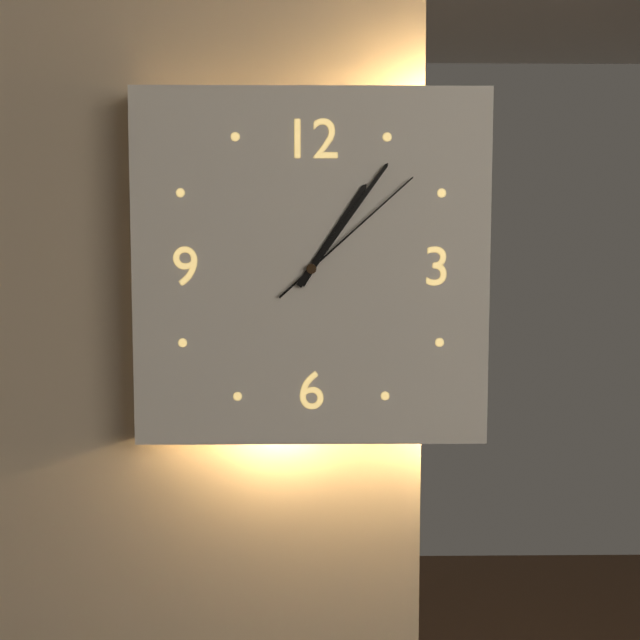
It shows 1:06:08
